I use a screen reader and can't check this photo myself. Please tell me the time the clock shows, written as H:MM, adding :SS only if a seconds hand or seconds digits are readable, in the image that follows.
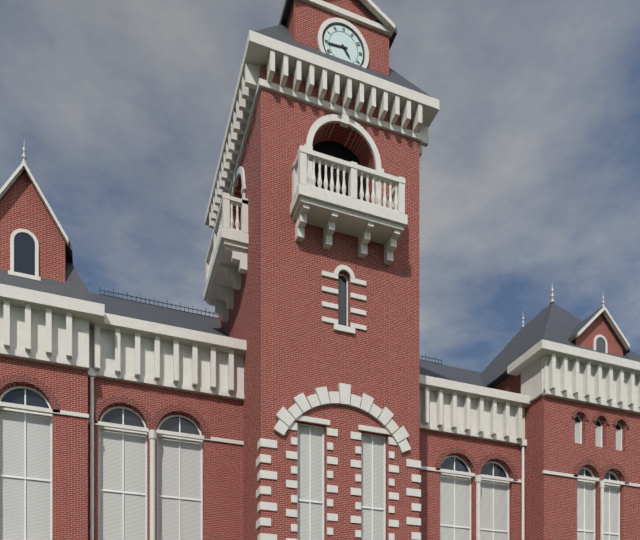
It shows 4:44
